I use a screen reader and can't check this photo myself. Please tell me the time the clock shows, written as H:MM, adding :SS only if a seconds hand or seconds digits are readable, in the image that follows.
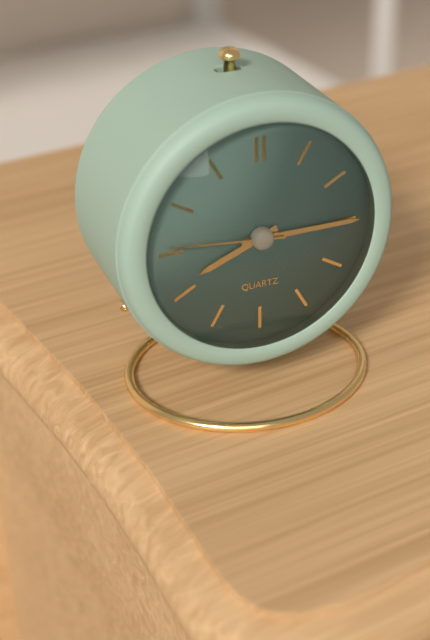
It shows 8:15:46
